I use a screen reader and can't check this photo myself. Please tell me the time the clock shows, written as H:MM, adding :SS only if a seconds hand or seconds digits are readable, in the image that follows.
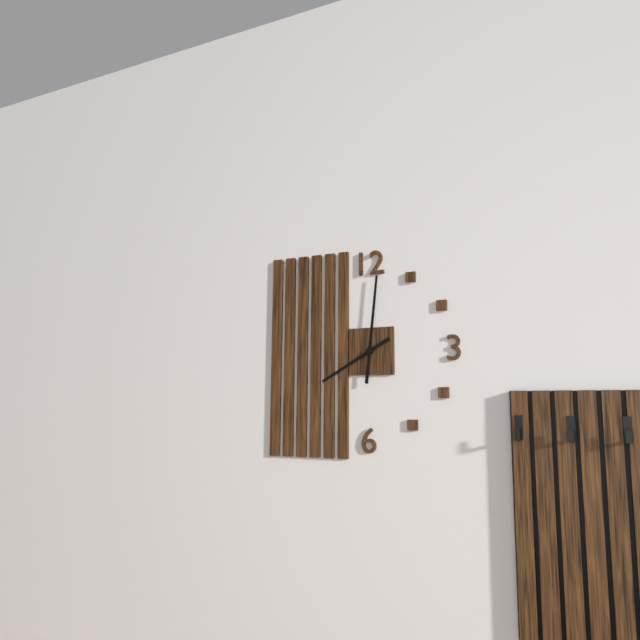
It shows 8:01
